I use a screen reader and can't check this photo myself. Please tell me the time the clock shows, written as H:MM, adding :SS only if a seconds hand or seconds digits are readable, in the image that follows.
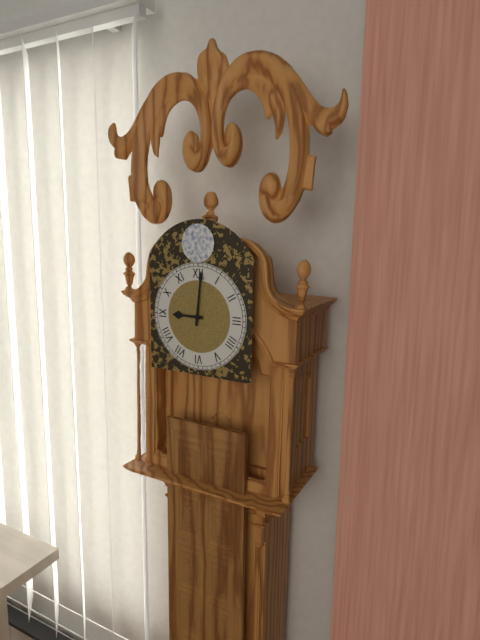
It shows 9:01
